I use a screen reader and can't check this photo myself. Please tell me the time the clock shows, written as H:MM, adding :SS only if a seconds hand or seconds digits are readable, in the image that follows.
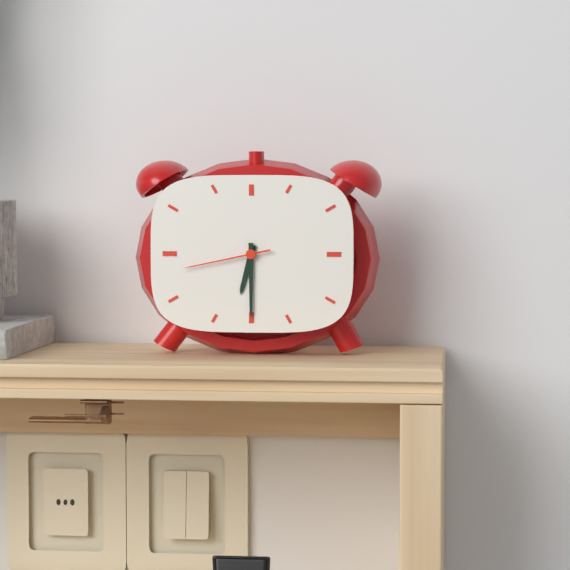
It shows 6:30:43
